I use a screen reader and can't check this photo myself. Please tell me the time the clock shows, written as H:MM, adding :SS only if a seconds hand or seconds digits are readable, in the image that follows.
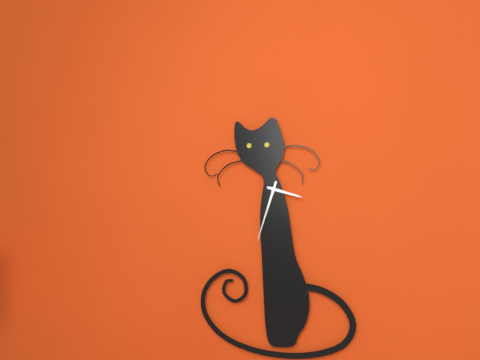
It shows 3:33
